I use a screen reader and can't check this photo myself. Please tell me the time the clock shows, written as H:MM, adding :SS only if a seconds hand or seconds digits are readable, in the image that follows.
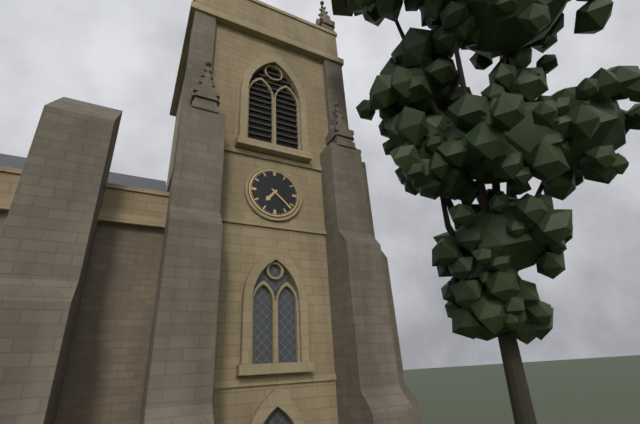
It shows 7:22
